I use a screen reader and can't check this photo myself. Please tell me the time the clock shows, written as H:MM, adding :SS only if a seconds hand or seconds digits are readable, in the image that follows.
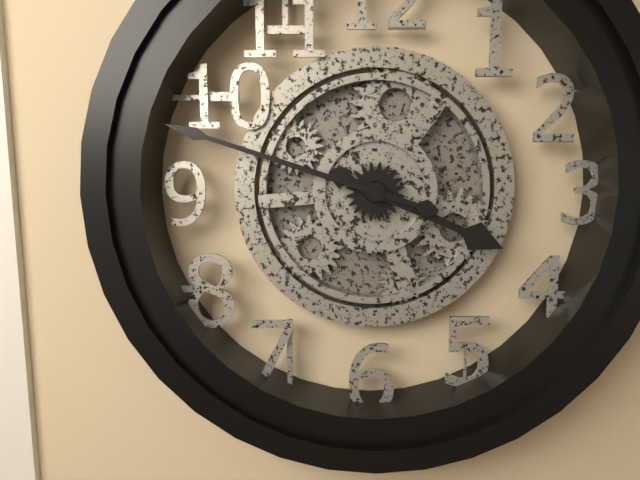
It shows 3:48
